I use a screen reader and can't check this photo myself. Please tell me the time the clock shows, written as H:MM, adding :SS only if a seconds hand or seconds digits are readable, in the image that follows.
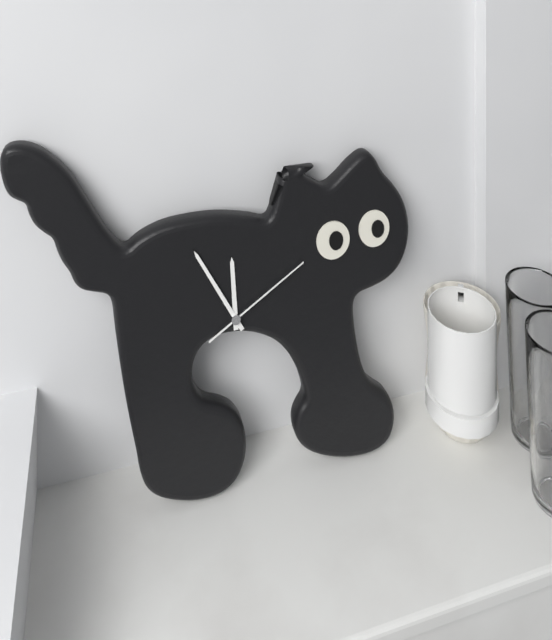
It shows 11:55:10
